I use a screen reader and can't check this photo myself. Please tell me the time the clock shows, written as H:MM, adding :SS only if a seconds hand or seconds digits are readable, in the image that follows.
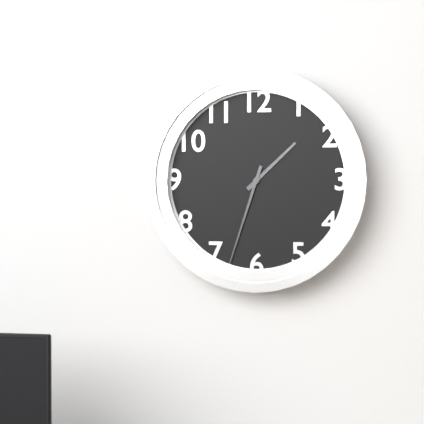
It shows 1:33
